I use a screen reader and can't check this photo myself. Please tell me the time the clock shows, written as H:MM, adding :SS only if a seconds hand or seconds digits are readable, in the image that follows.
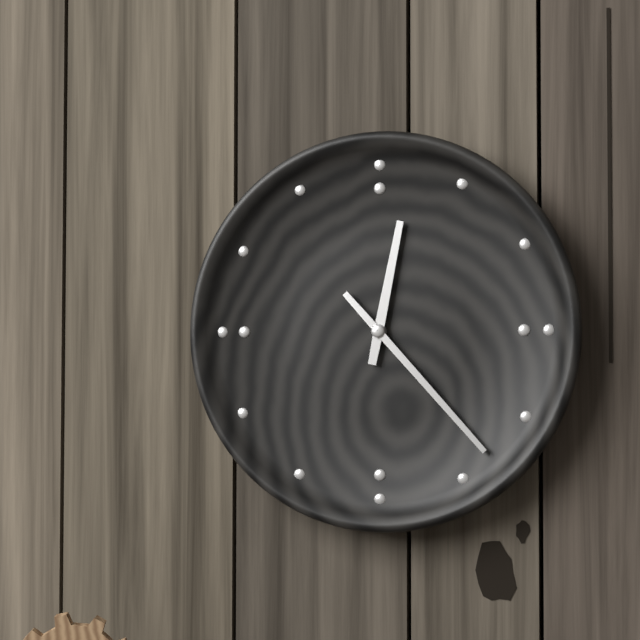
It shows 12:23
